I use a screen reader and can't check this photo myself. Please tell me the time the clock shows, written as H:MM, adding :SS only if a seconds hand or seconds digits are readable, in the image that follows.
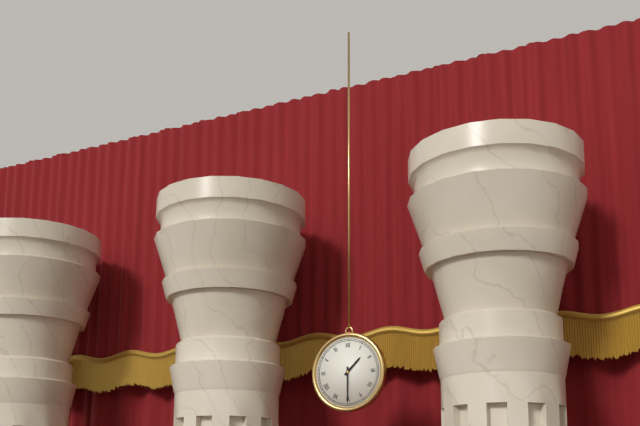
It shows 1:30
